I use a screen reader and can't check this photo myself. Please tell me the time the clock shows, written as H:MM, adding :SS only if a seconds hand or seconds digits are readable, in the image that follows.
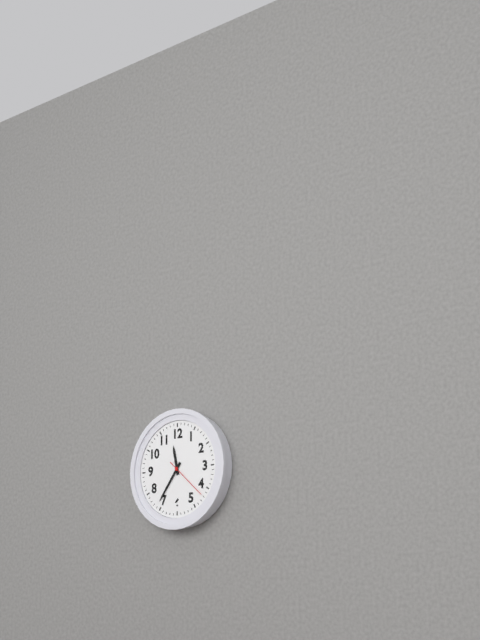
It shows 11:36
